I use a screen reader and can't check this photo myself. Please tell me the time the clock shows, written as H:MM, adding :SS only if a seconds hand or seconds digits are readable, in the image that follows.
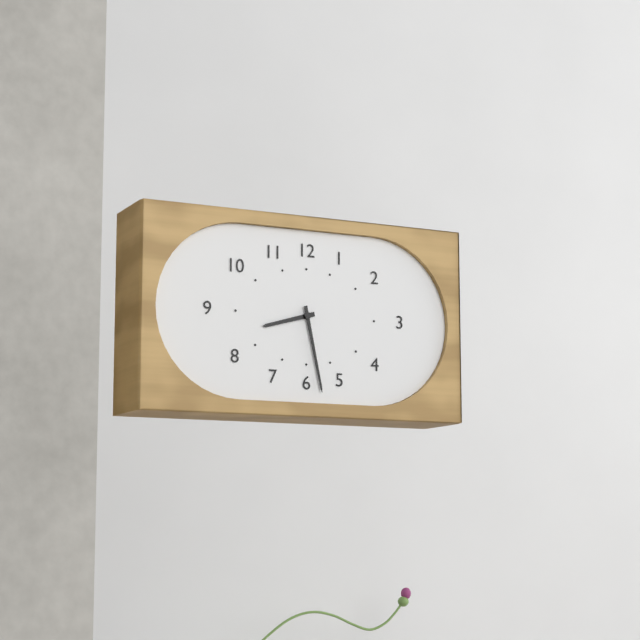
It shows 8:28
